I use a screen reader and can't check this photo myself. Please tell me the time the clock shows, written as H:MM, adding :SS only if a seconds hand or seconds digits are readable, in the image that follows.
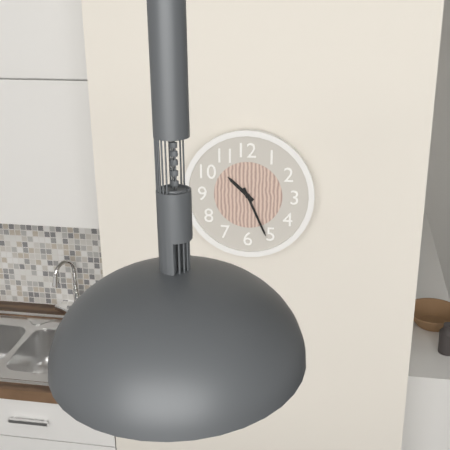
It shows 10:26
